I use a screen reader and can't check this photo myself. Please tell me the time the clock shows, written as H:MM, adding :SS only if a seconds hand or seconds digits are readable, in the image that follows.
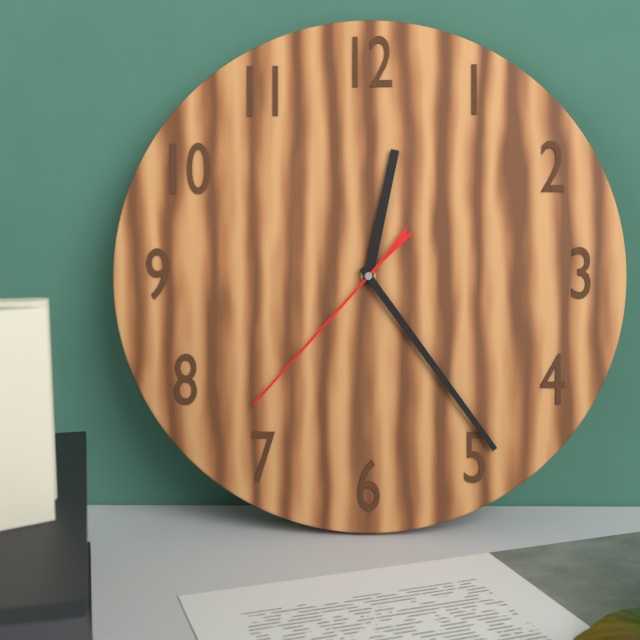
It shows 12:24:37
